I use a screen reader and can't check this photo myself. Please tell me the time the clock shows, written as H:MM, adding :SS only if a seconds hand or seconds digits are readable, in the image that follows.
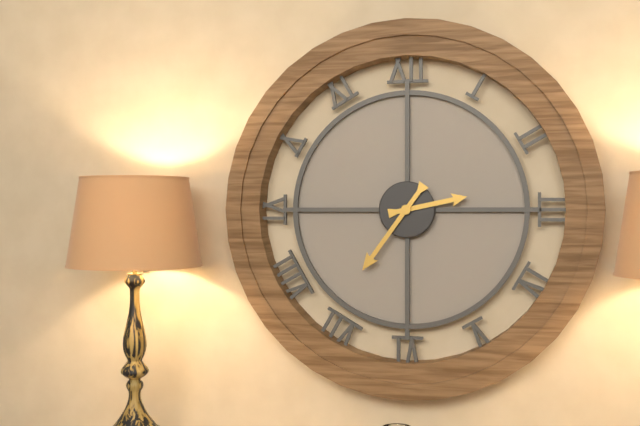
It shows 2:36
